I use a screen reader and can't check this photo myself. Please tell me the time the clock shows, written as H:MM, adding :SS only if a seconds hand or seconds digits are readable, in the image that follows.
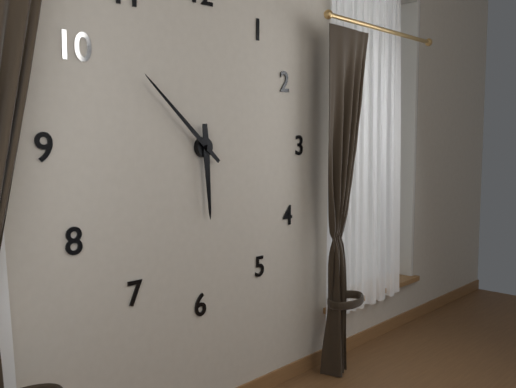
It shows 5:52
